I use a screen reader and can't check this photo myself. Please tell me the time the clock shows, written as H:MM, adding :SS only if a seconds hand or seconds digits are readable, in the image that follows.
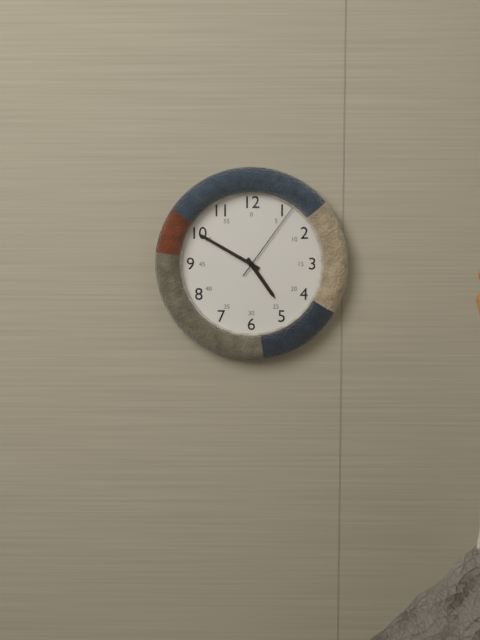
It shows 4:50:06
